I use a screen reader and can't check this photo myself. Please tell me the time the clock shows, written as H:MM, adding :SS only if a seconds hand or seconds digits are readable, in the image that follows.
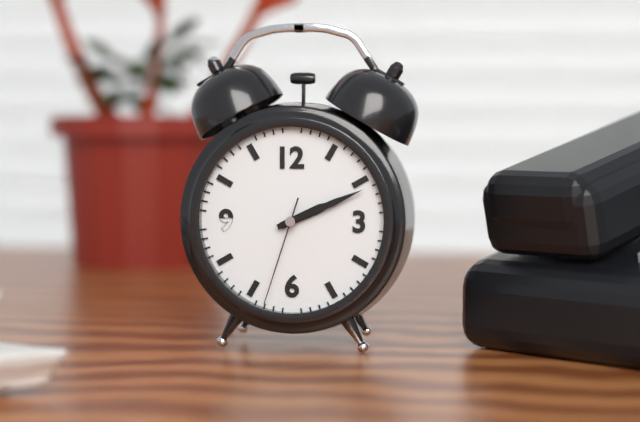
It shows 2:11:33
